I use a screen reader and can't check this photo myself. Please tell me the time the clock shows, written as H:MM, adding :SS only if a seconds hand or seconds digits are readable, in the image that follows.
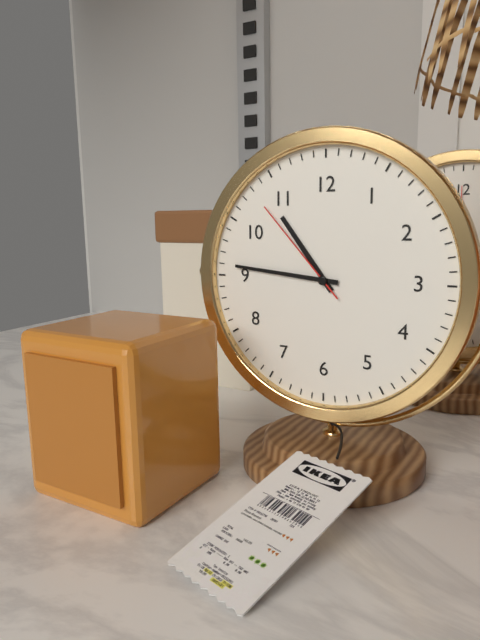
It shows 10:46:53
